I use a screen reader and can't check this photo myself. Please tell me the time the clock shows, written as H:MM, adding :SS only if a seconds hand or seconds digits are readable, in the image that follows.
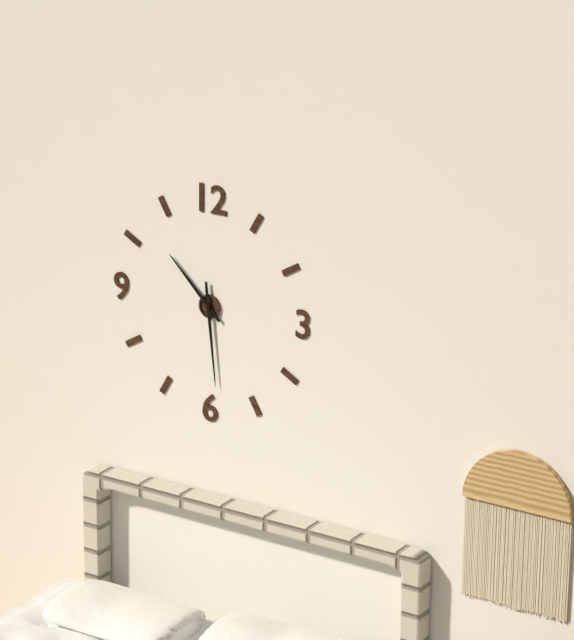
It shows 10:29
